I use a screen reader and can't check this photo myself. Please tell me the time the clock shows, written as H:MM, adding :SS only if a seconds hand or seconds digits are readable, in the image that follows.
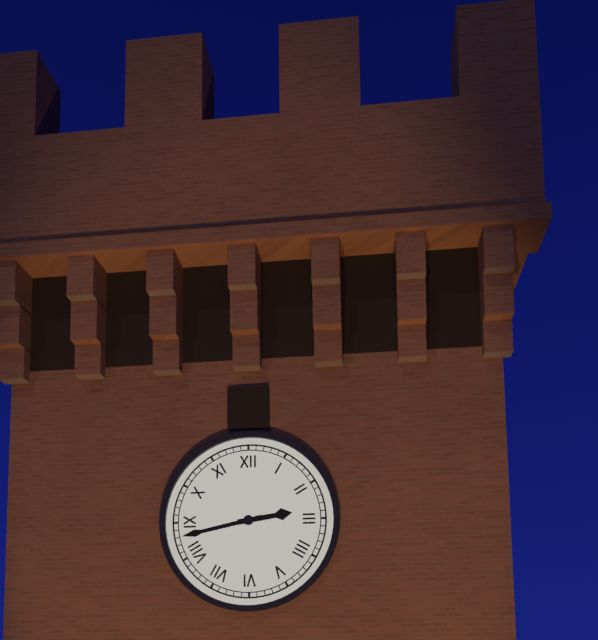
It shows 2:43
